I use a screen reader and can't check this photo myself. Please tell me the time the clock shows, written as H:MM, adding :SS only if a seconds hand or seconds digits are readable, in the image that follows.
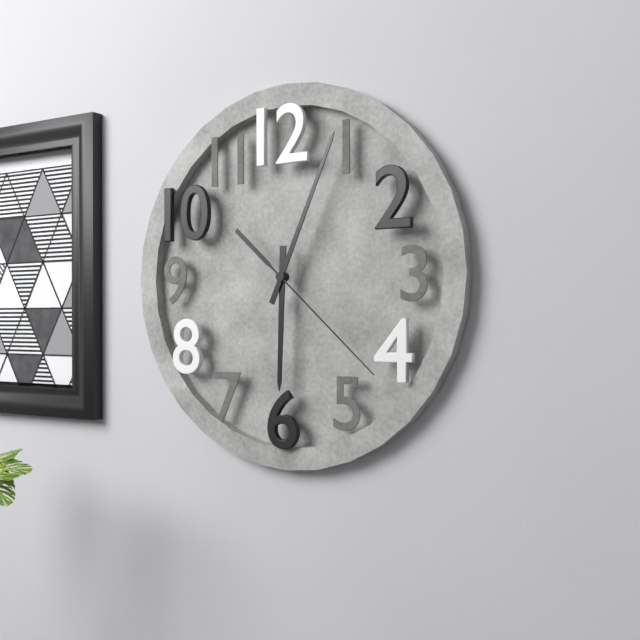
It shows 6:04:22
